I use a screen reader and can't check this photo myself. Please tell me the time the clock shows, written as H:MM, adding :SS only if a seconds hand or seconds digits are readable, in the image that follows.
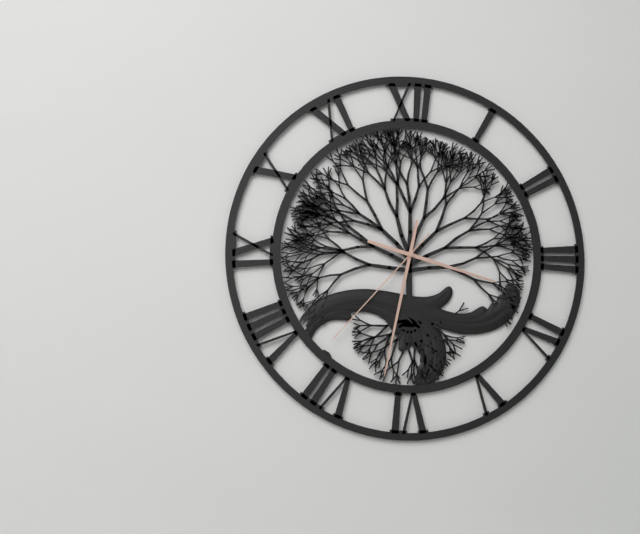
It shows 3:32:37
